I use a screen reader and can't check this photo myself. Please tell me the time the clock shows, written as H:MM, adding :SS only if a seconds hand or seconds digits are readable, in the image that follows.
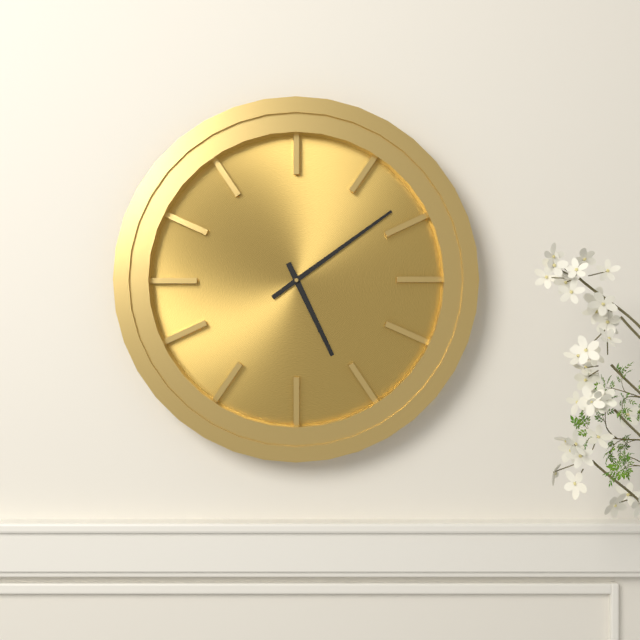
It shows 5:09
